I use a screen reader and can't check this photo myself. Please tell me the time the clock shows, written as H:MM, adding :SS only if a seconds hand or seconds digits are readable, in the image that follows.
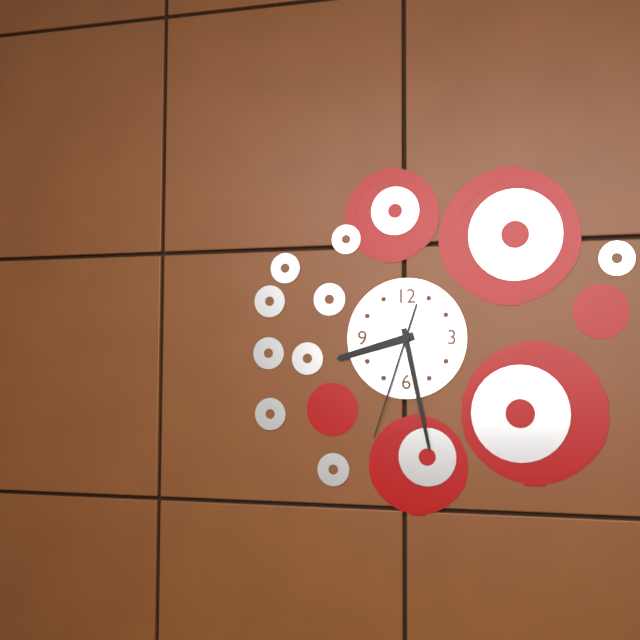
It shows 8:28:33
